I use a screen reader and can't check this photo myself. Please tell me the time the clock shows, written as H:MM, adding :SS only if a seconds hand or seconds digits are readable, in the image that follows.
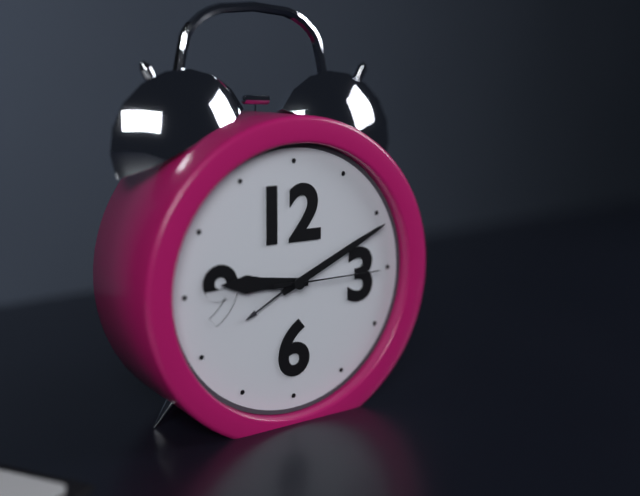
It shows 9:11:15
